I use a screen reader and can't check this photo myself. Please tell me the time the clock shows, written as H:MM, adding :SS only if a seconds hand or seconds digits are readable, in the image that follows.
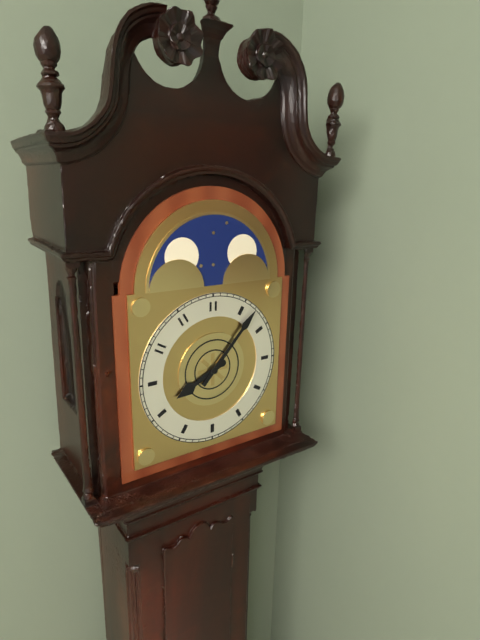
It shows 8:07
